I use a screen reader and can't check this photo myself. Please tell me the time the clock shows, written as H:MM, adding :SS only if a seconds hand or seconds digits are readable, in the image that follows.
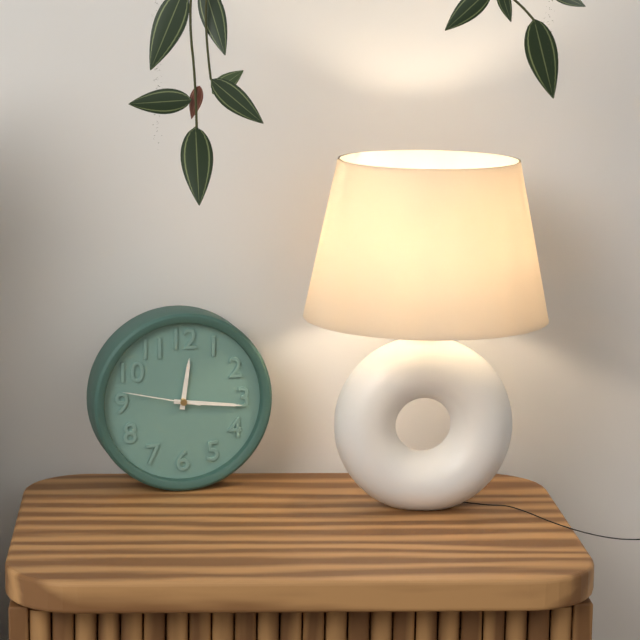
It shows 12:16:47
